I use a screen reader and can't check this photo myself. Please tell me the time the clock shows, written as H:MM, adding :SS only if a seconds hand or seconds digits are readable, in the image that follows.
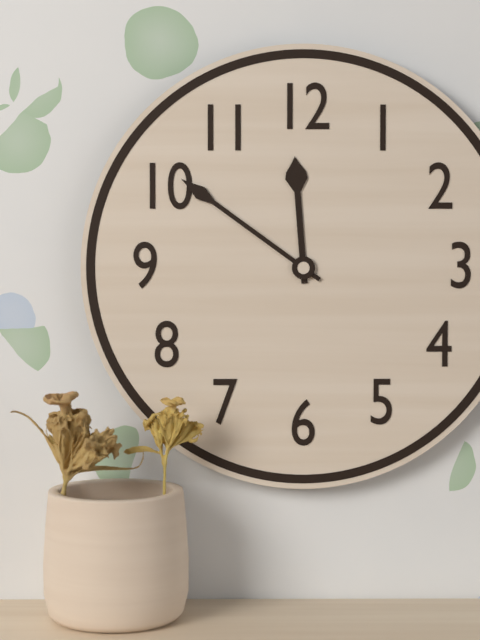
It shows 11:51
